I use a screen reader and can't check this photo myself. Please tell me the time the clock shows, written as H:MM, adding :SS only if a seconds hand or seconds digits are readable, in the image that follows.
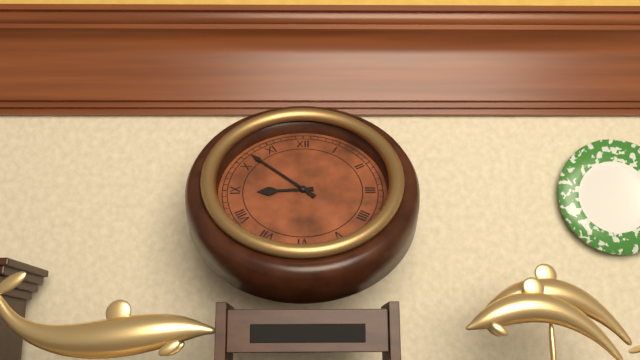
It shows 8:52
